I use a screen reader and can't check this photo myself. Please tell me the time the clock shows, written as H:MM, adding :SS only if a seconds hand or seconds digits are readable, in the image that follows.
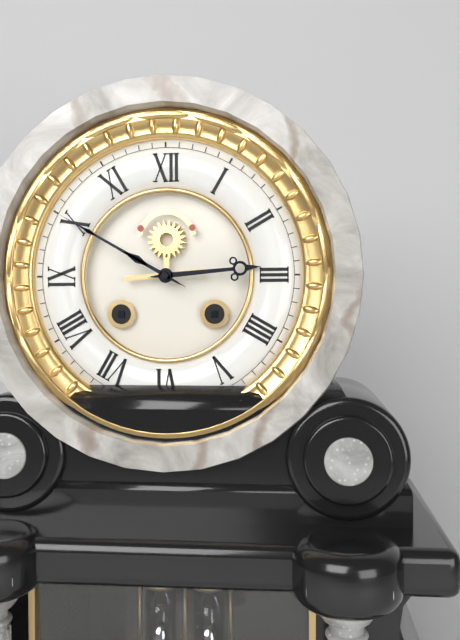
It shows 2:50
